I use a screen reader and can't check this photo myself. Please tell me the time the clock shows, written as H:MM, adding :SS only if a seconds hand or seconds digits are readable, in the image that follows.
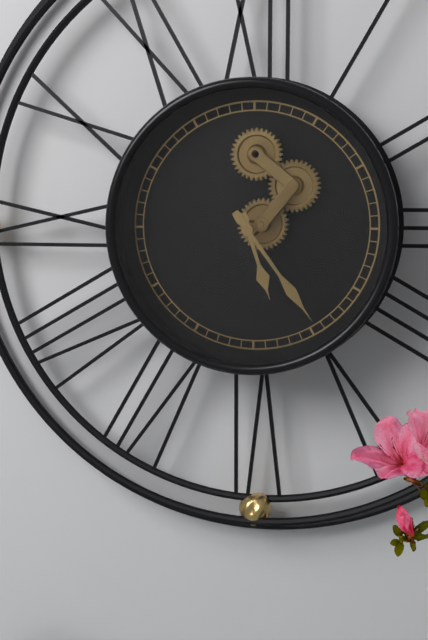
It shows 5:24
